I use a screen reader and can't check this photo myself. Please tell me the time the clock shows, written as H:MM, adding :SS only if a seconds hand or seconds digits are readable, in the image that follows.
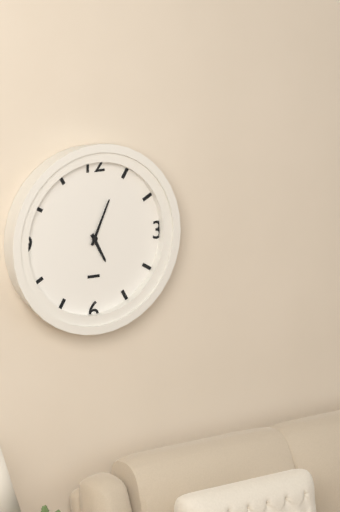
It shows 5:04
